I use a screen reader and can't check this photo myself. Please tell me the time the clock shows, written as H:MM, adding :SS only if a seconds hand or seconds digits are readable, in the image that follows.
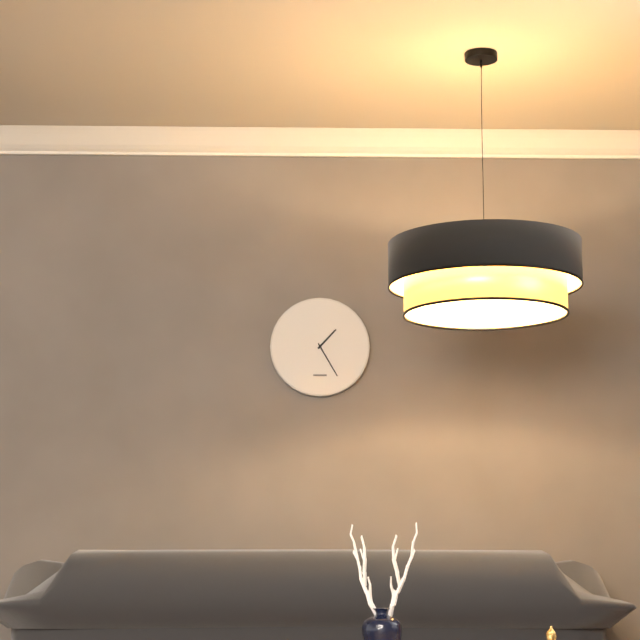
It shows 1:25
